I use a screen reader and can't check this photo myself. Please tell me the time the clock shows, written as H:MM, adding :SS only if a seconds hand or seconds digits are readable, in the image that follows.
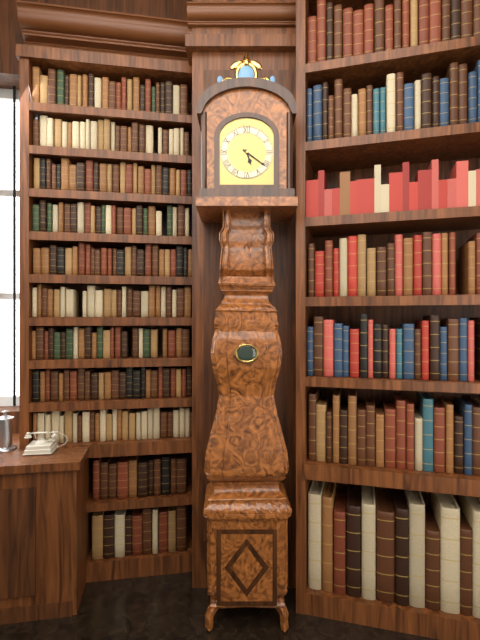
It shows 5:21
